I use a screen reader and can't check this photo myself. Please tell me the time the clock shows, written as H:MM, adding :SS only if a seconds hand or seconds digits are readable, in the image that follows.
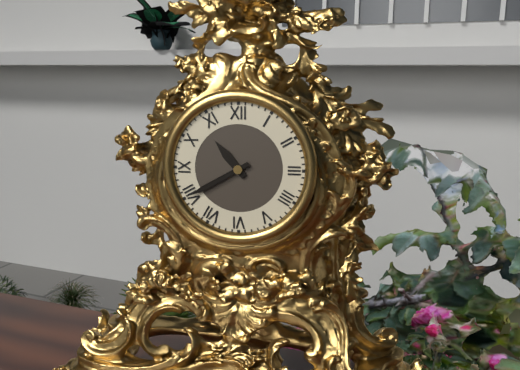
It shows 10:40
